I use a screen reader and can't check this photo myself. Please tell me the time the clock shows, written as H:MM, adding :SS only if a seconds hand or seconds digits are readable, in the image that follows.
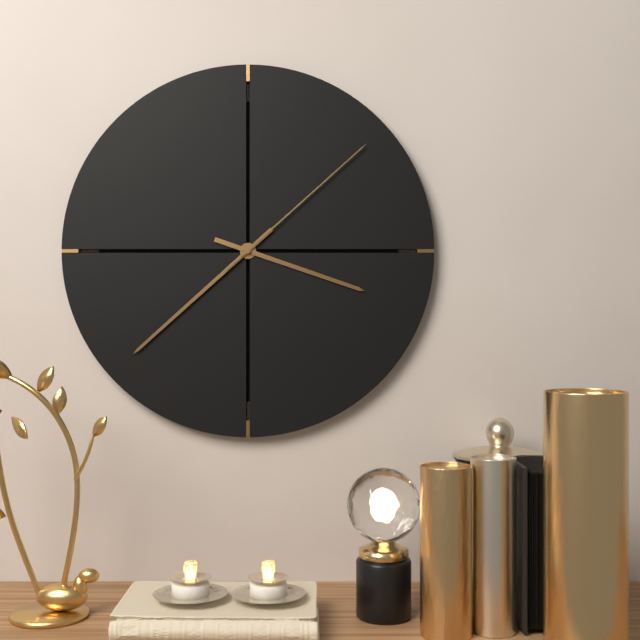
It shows 3:38:08
